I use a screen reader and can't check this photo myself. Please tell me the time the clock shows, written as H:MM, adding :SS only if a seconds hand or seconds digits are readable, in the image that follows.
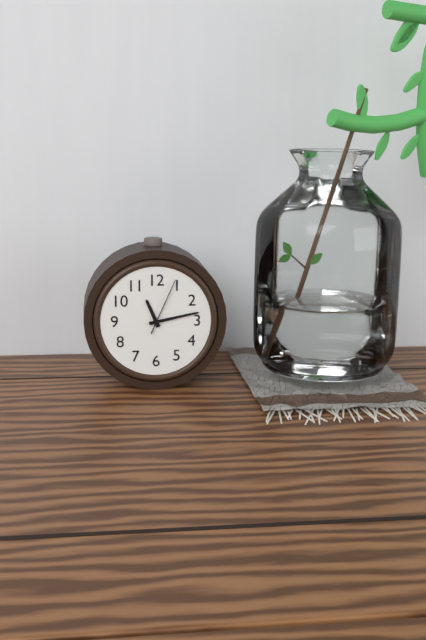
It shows 11:13:04
